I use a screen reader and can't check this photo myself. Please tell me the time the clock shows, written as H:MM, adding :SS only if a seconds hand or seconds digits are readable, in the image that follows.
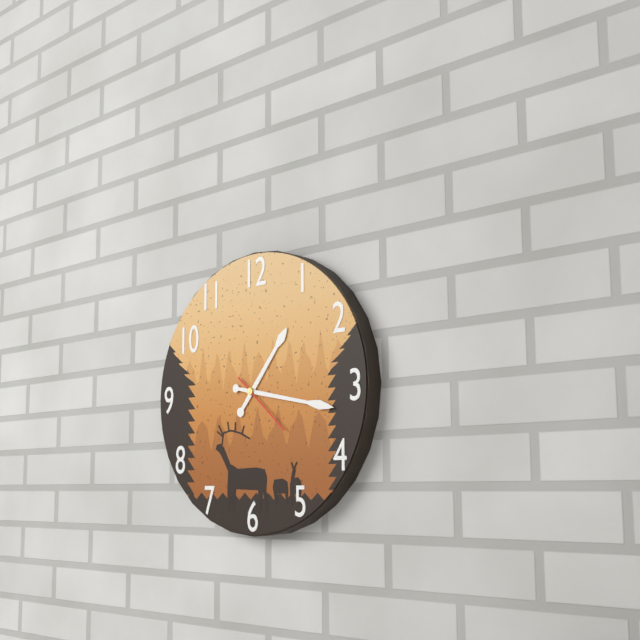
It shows 1:17:22
